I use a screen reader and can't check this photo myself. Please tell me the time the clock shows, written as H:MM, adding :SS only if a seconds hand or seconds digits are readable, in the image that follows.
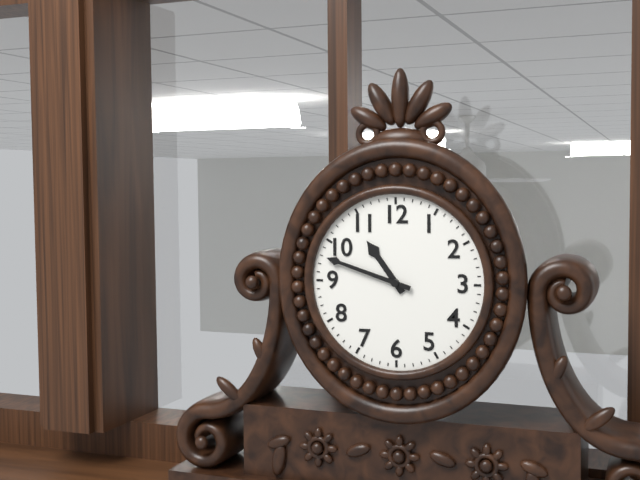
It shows 10:48
